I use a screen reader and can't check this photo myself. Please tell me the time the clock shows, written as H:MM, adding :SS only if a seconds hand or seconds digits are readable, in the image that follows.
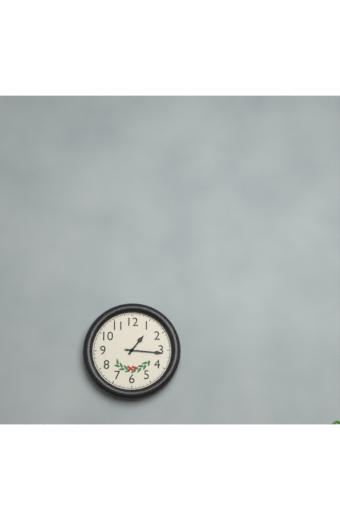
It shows 1:16
